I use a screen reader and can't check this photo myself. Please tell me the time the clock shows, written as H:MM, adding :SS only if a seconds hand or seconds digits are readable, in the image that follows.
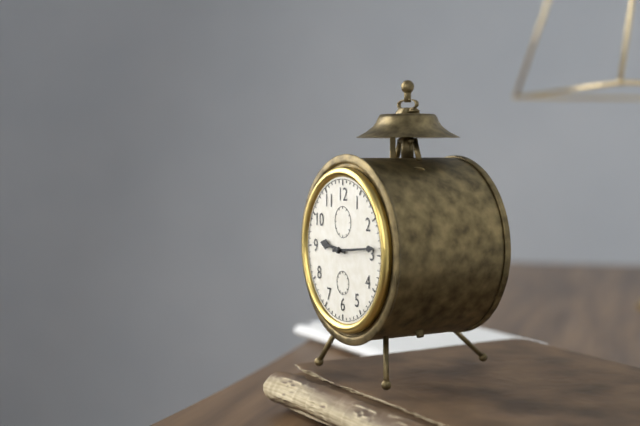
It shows 9:14
